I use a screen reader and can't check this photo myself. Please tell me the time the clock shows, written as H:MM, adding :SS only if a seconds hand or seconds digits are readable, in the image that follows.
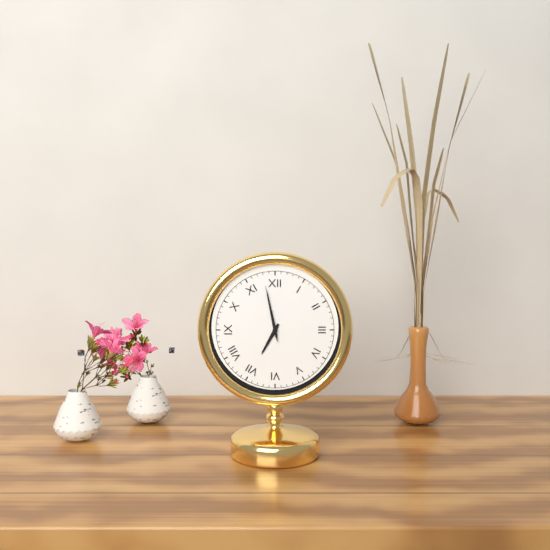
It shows 6:58:58
